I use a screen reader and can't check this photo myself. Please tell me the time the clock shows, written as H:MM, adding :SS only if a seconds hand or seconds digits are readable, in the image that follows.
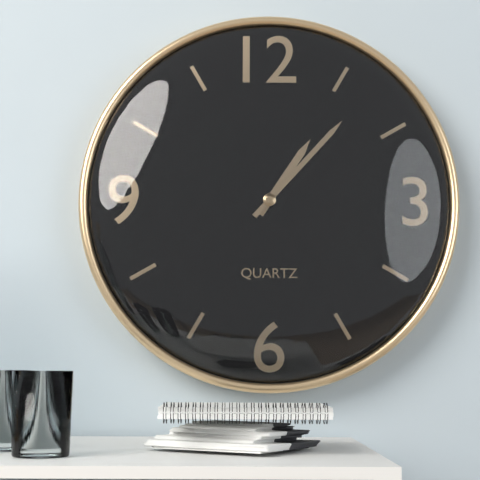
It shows 1:07
